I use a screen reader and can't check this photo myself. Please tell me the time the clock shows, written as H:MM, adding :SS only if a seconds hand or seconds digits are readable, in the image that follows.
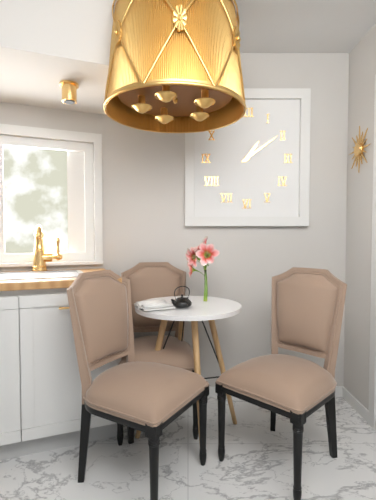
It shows 1:09
